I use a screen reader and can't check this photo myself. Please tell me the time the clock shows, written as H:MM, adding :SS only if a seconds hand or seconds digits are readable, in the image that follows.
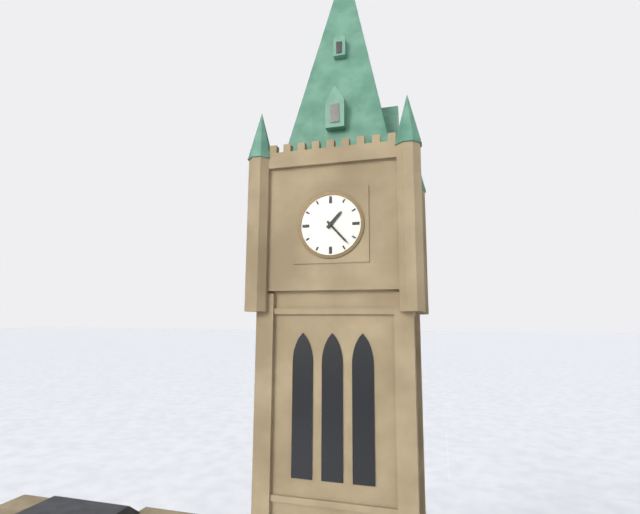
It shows 1:23
